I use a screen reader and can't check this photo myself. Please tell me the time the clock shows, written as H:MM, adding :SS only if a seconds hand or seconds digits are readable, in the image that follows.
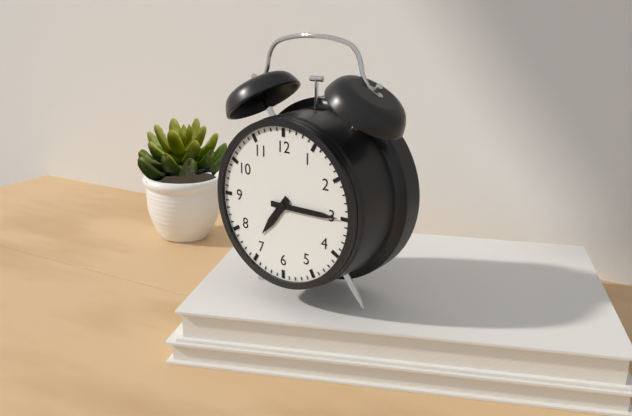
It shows 7:15
